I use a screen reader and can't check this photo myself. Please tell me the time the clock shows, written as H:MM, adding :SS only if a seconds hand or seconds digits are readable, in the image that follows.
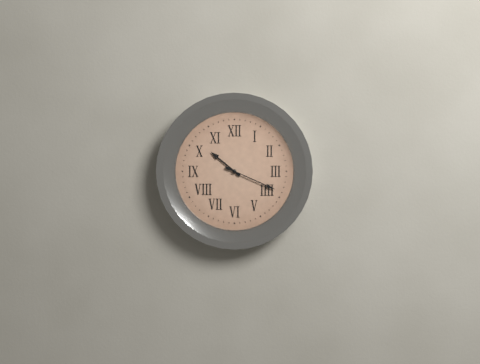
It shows 10:19
